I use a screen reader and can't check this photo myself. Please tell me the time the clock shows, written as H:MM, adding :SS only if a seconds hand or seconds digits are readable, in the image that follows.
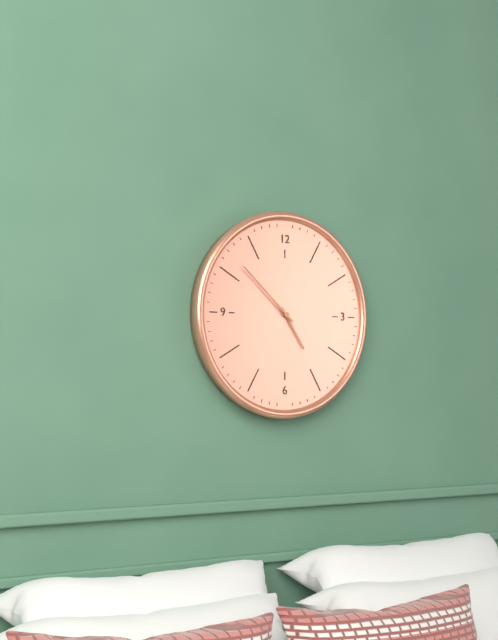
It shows 4:52
